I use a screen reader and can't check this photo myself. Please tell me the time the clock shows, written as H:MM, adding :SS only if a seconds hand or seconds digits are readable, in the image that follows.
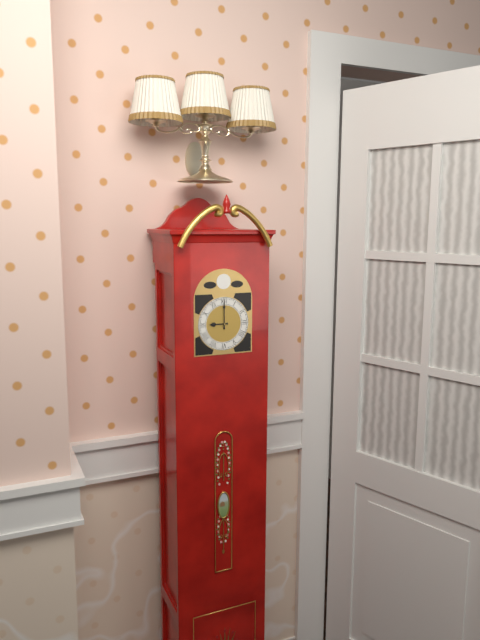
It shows 9:00
